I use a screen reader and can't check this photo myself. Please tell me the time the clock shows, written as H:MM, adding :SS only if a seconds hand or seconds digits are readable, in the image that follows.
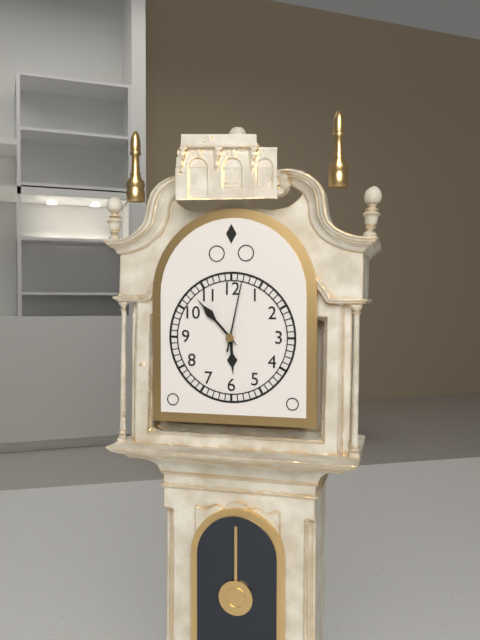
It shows 5:53:02
